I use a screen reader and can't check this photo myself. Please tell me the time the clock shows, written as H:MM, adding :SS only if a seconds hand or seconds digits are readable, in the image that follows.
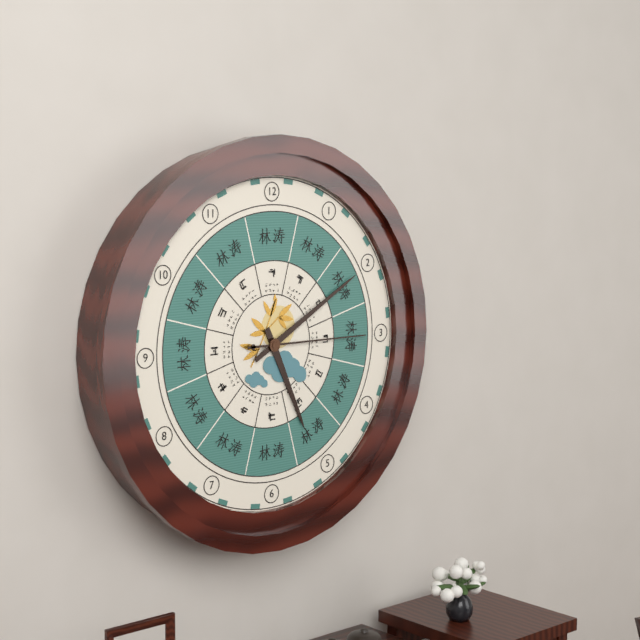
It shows 5:10:15
